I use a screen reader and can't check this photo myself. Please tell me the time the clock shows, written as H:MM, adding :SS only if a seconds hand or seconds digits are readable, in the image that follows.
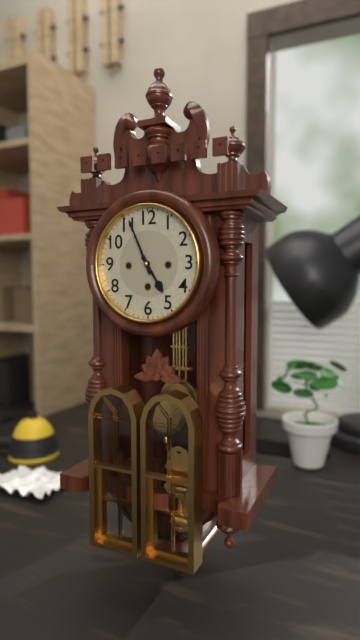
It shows 4:56
